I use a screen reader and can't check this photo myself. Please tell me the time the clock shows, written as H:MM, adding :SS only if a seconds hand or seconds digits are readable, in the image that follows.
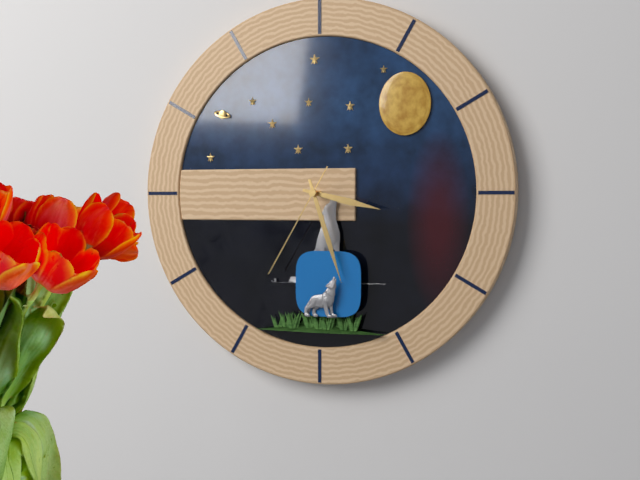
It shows 3:27:35
